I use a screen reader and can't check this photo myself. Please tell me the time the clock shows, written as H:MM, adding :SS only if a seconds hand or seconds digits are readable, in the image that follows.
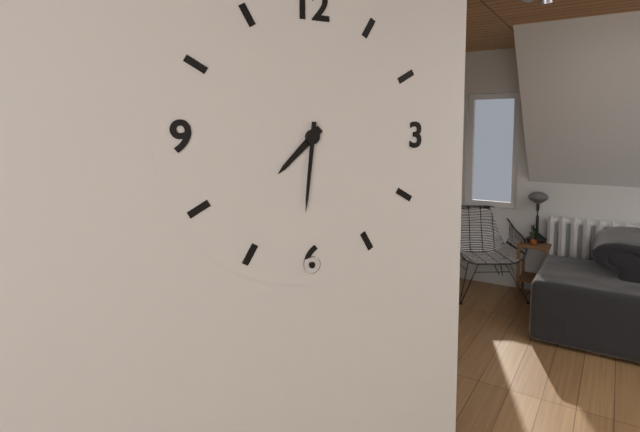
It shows 7:31
